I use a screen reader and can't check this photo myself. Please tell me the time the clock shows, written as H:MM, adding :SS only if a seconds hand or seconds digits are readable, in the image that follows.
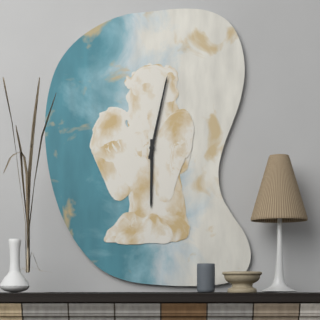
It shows 6:02
